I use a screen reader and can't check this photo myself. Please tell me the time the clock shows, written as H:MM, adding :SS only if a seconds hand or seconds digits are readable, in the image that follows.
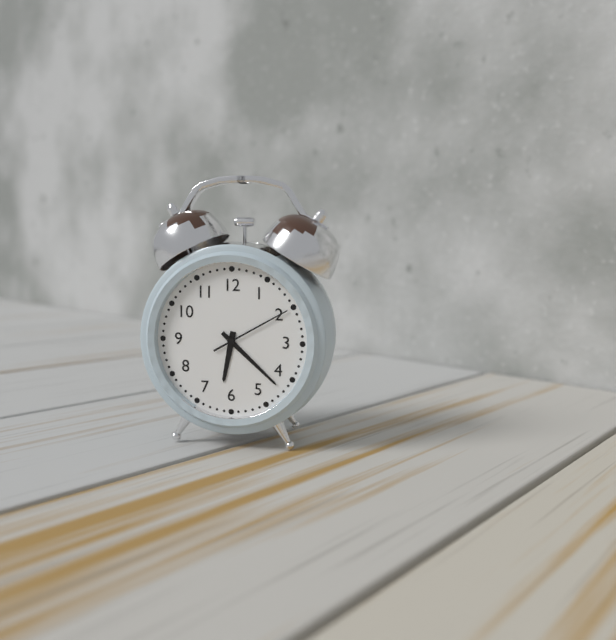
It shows 6:22:10
